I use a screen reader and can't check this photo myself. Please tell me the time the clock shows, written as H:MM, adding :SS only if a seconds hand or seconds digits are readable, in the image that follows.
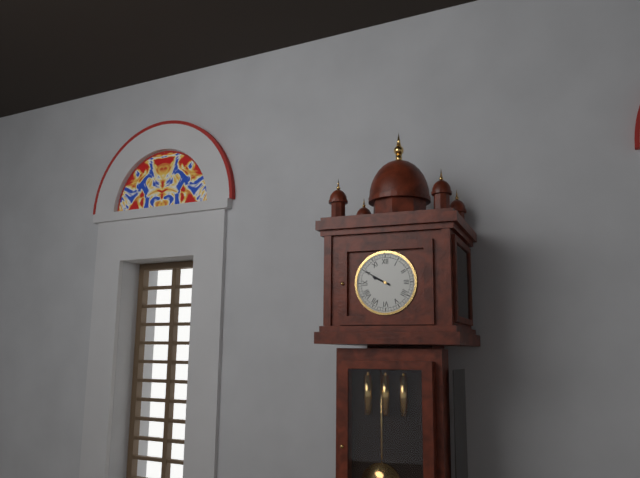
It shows 9:50
